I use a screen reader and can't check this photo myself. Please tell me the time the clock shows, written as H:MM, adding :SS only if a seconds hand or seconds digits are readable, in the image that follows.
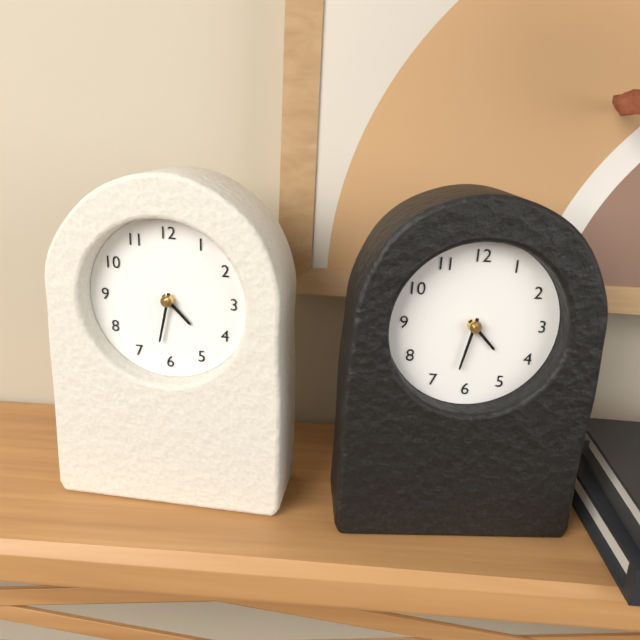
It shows 4:32
